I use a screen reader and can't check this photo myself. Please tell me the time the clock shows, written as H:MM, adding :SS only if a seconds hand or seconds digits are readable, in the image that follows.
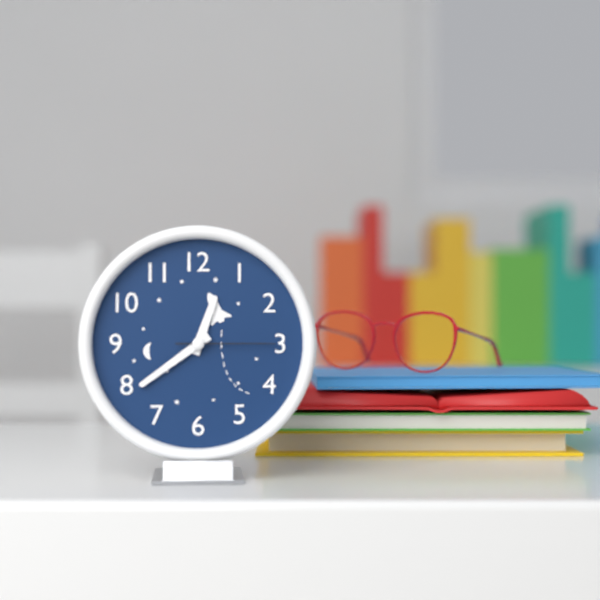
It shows 12:39:15
